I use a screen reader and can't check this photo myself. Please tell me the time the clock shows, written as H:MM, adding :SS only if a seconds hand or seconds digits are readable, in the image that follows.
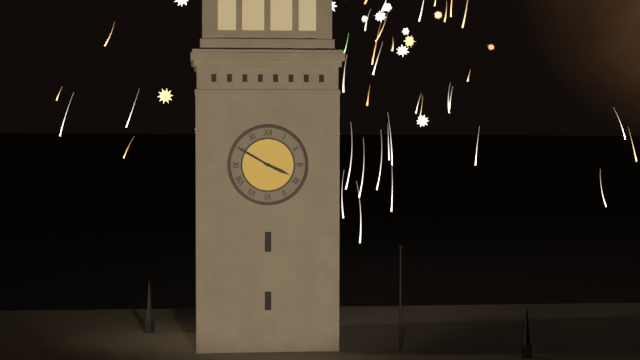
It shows 3:50
